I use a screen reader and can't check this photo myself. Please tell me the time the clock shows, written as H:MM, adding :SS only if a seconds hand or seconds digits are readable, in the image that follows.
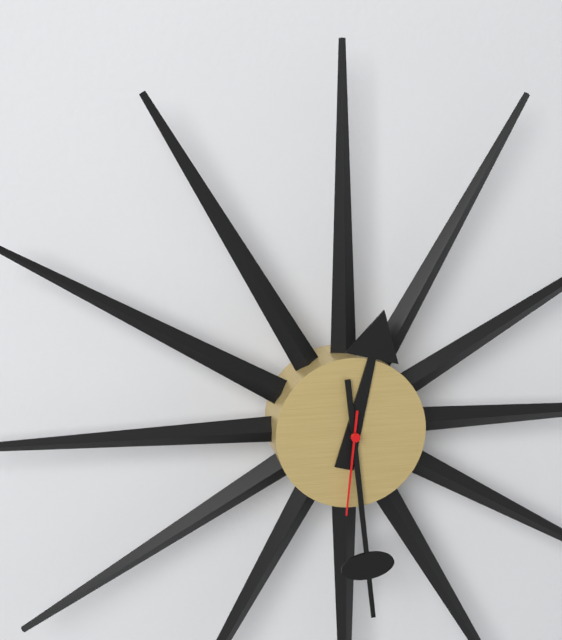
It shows 12:29:31
